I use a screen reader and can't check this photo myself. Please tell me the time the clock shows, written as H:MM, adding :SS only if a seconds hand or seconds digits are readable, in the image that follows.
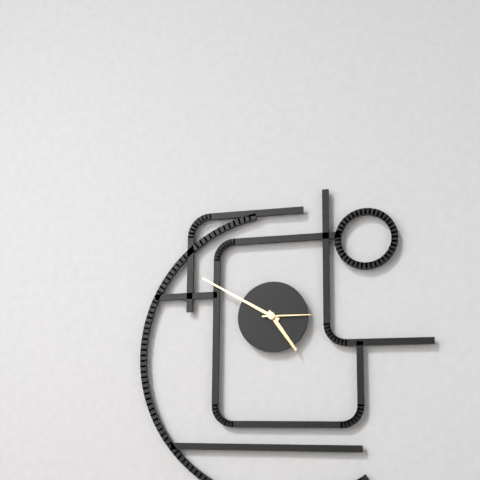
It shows 4:50
